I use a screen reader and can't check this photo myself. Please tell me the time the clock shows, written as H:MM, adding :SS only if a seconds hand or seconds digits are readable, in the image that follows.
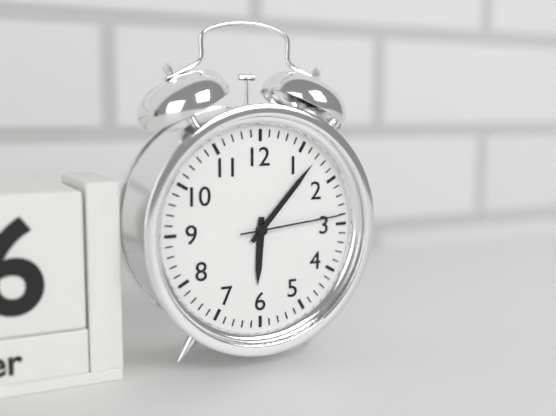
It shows 6:07:14
